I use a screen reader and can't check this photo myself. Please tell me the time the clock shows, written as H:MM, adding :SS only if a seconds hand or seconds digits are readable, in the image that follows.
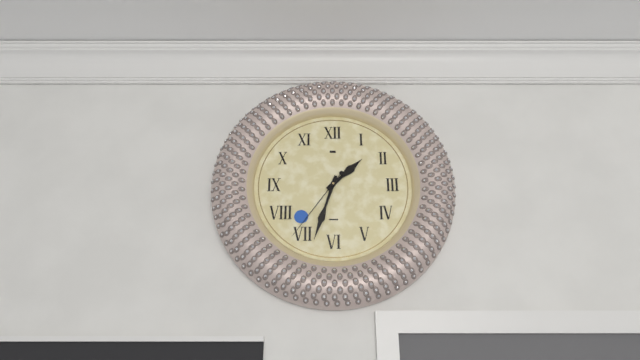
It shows 1:33:36
